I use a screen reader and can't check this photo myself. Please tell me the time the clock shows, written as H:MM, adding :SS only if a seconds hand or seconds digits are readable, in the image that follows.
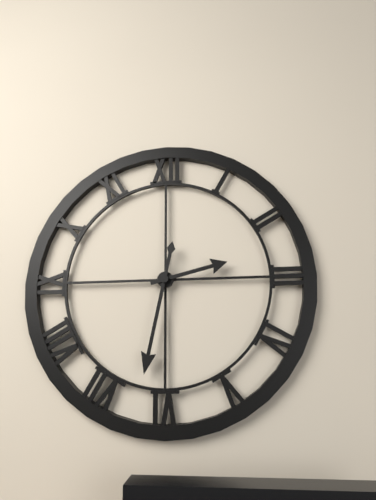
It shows 2:32
